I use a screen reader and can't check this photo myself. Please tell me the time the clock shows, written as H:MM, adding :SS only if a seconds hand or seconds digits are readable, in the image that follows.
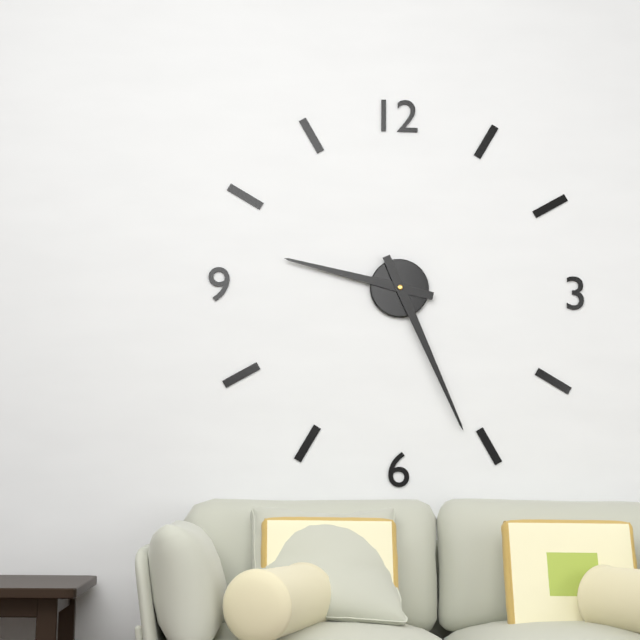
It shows 9:26
